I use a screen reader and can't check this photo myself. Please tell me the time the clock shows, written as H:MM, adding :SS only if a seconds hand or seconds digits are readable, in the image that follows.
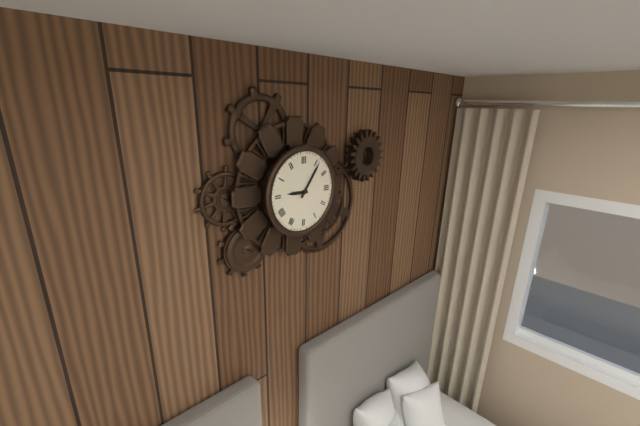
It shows 9:06
